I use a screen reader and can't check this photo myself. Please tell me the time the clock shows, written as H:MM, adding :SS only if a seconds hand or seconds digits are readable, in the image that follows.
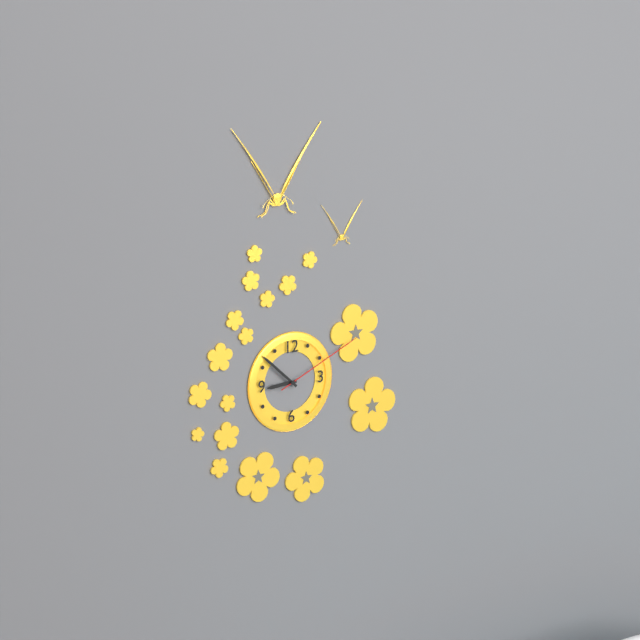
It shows 8:52:11
